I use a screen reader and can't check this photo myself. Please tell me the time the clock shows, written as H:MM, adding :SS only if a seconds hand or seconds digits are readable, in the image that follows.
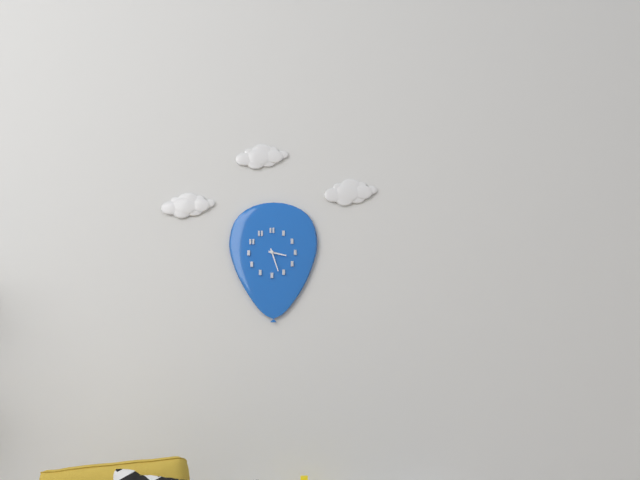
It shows 3:27
